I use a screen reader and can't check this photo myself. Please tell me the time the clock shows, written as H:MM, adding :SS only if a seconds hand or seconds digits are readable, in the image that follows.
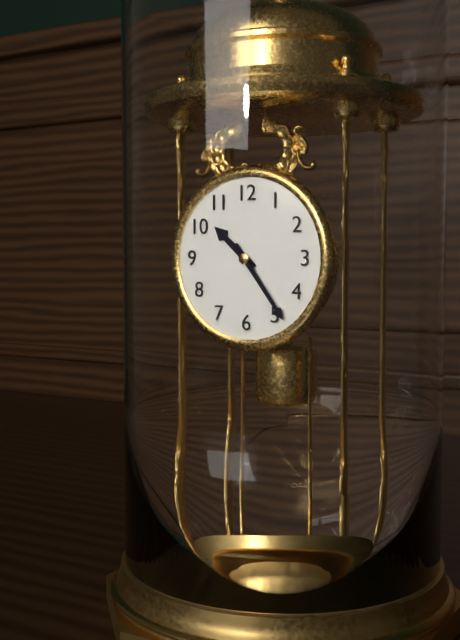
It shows 10:24
